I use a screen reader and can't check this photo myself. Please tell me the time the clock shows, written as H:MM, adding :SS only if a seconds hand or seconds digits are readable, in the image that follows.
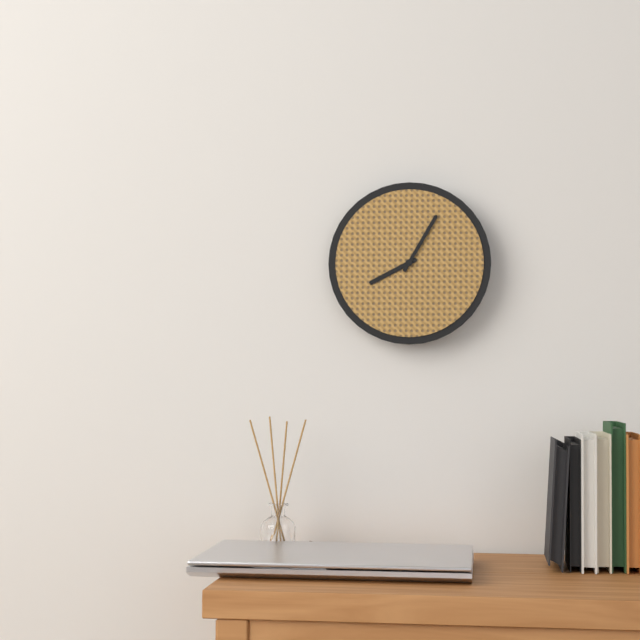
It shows 8:05
